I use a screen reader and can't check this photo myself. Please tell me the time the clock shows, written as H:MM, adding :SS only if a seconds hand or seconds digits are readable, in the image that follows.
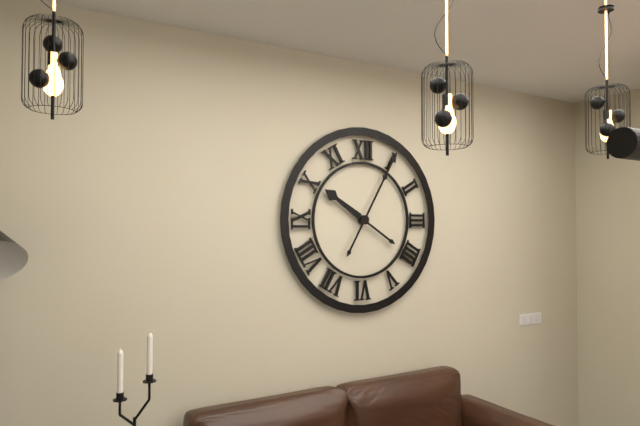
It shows 10:05
